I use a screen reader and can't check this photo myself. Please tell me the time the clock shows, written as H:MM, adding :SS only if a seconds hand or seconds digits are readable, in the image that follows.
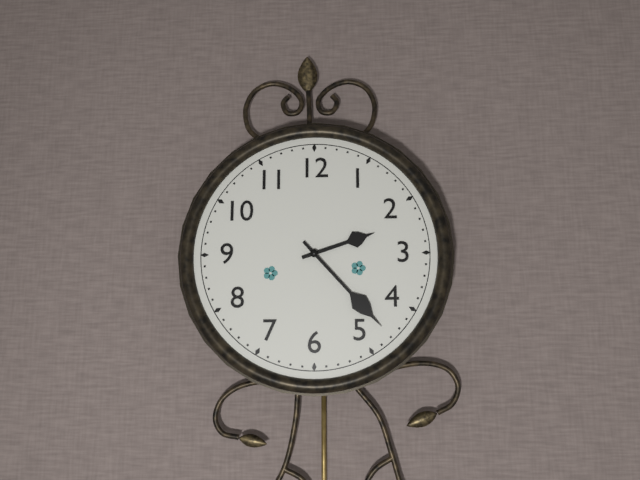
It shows 2:23
